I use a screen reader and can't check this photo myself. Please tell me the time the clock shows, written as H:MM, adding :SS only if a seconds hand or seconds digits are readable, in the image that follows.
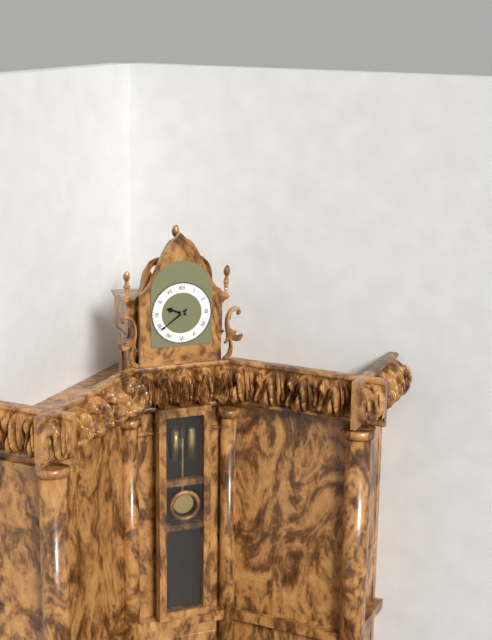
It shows 9:39
